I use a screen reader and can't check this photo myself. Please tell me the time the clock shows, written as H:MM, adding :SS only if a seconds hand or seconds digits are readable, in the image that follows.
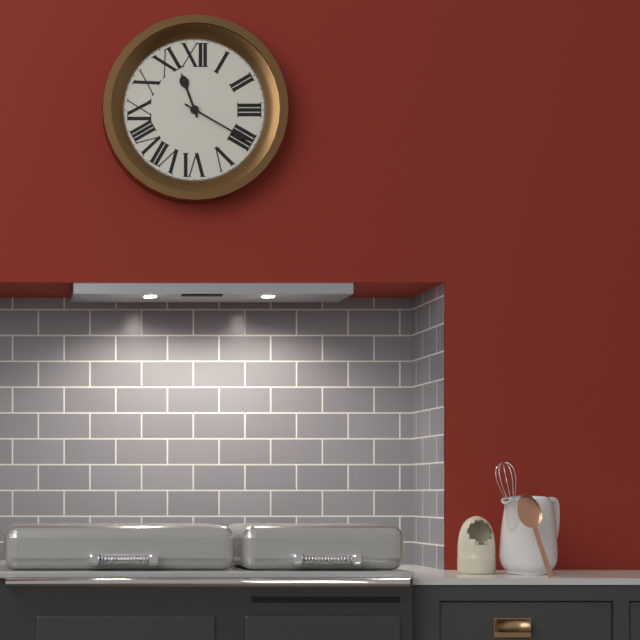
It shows 11:20
